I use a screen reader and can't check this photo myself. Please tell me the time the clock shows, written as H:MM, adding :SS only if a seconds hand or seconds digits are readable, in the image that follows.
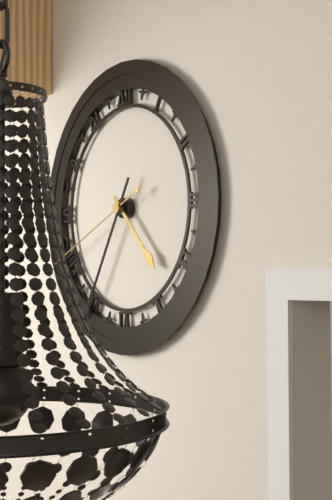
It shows 4:35:41
